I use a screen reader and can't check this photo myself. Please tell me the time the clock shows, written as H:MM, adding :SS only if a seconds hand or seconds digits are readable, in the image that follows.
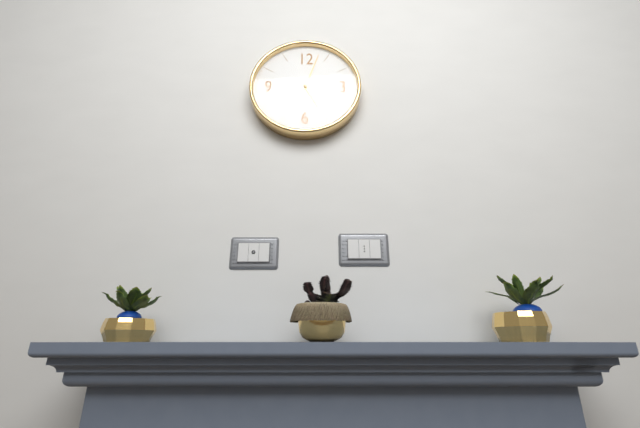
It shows 5:03
